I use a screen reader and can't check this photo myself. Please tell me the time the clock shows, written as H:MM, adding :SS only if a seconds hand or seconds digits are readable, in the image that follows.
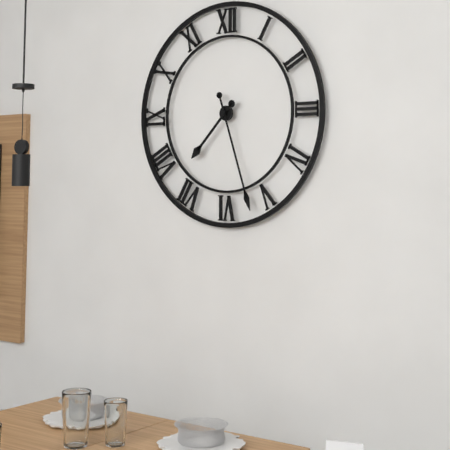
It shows 7:27
